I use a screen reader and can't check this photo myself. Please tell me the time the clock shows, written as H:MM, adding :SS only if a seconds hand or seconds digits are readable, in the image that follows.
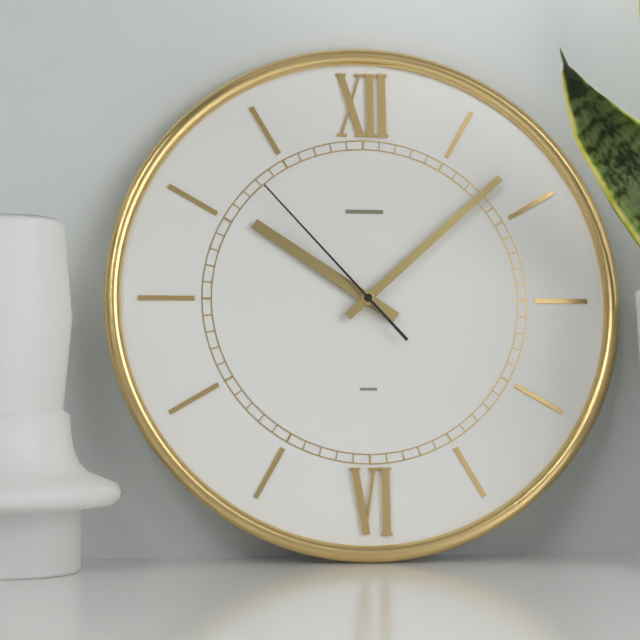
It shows 10:08:53
